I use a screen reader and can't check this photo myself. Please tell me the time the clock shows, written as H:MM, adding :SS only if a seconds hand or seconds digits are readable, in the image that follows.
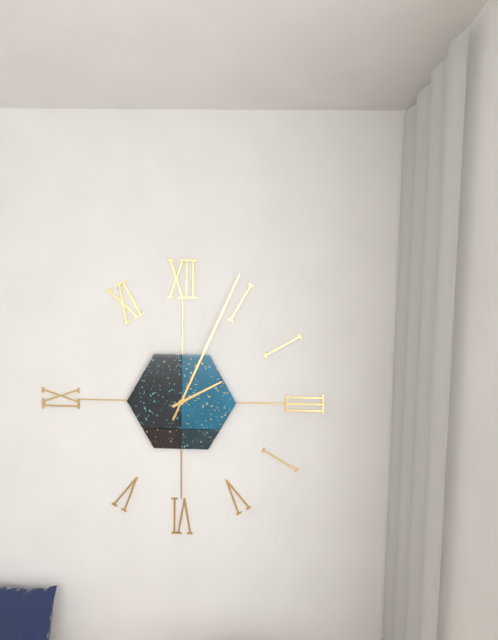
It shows 2:04
